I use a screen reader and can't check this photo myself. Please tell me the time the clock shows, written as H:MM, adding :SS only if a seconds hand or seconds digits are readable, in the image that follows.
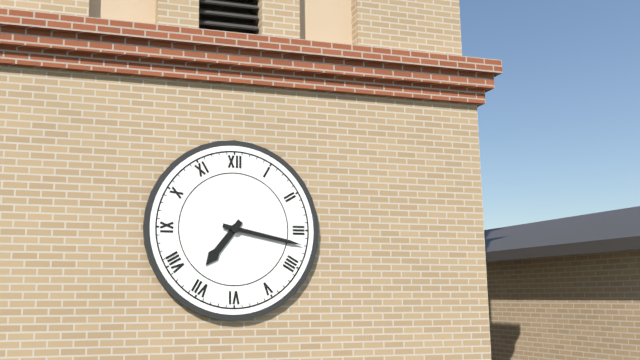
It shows 7:17
